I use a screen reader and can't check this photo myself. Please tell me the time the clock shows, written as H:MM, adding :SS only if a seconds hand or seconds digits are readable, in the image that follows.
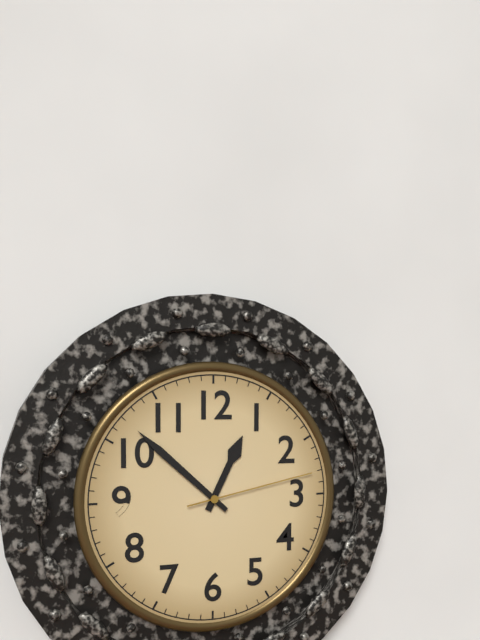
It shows 12:52:13
